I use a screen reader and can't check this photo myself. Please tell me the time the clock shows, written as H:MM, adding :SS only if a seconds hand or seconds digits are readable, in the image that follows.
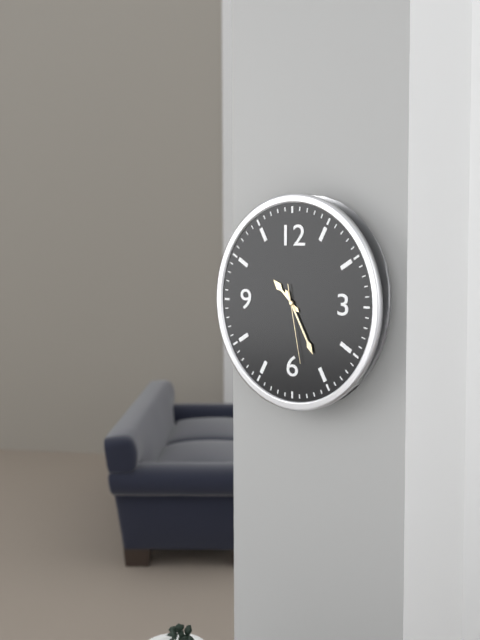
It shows 10:25:28
